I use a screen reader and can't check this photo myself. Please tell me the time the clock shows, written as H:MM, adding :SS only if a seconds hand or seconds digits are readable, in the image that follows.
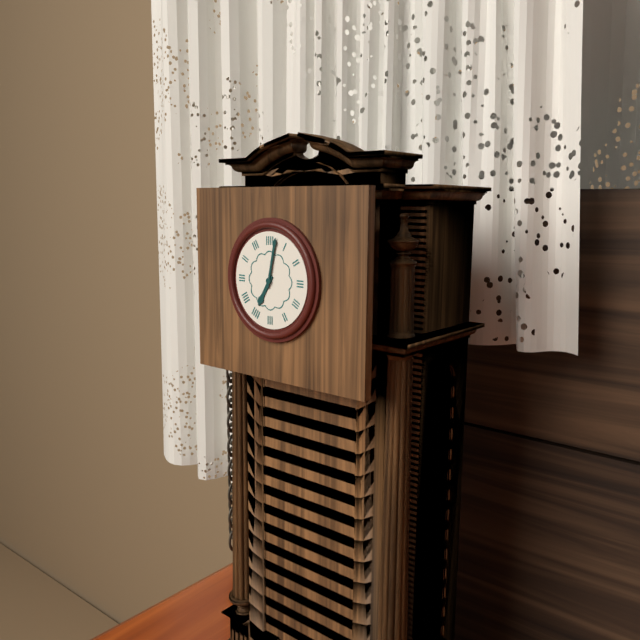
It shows 7:02
